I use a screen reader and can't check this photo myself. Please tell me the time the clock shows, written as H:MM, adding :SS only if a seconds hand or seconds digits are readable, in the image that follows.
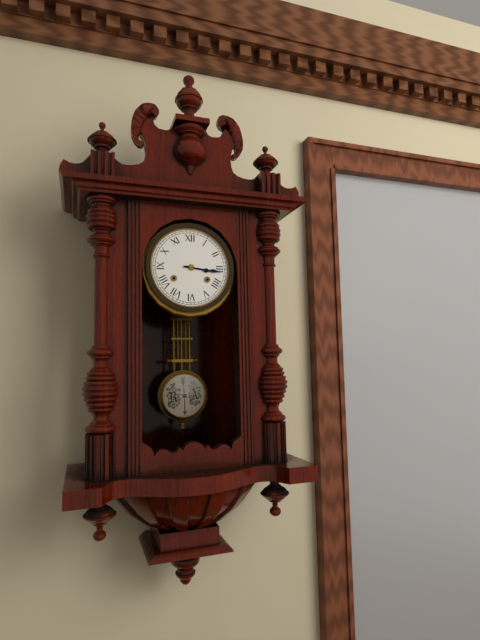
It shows 3:16
